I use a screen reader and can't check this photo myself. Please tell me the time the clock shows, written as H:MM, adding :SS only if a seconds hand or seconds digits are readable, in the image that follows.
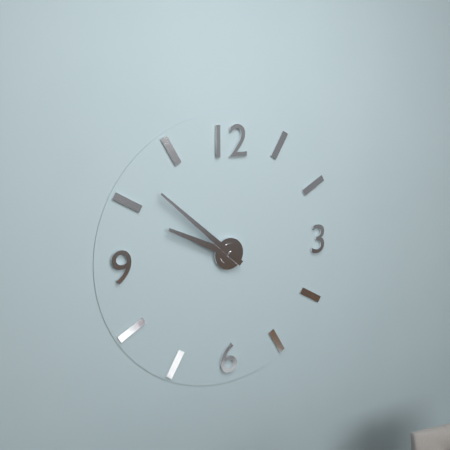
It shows 9:52
